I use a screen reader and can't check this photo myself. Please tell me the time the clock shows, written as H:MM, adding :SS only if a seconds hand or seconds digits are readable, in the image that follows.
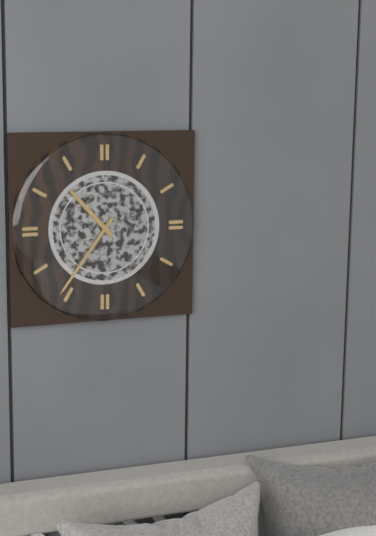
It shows 10:36
